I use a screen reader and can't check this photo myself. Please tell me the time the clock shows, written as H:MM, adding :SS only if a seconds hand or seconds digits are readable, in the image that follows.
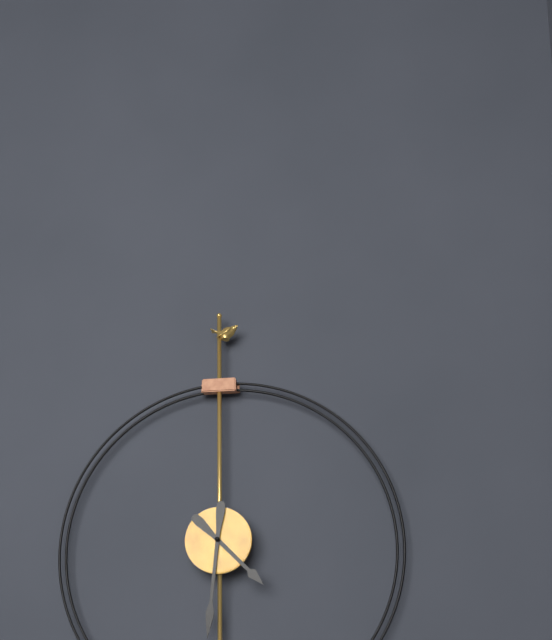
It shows 4:31
